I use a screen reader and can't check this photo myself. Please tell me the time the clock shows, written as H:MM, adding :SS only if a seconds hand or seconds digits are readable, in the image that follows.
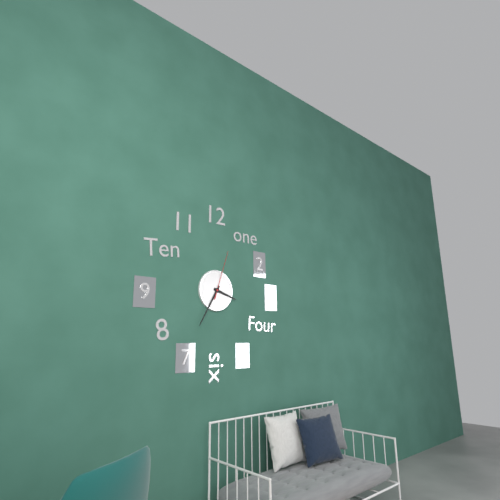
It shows 3:35:03
